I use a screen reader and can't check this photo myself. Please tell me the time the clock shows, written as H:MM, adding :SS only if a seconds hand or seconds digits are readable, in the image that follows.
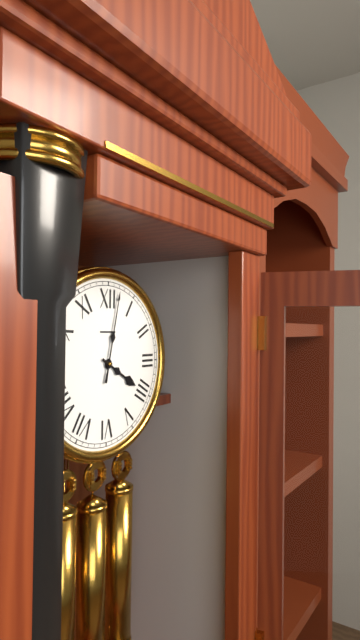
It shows 4:02
